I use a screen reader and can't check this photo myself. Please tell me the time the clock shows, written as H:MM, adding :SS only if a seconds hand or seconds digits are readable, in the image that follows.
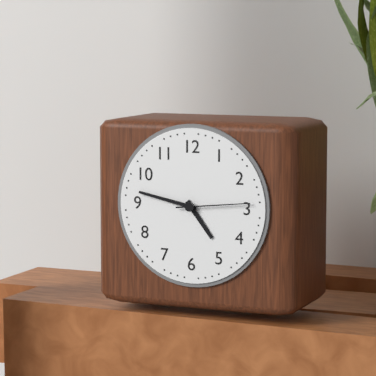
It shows 4:47:14
